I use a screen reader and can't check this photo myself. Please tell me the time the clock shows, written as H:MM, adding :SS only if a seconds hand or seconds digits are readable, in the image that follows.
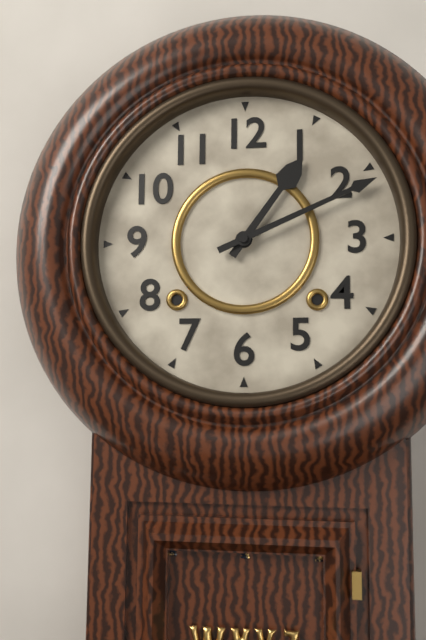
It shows 1:11
